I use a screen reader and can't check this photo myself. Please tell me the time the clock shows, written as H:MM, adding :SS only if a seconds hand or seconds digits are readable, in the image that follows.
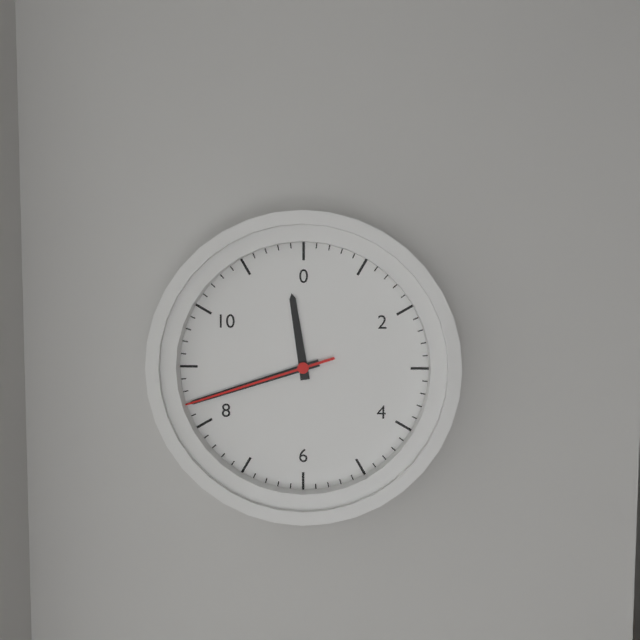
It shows 11:42:42
